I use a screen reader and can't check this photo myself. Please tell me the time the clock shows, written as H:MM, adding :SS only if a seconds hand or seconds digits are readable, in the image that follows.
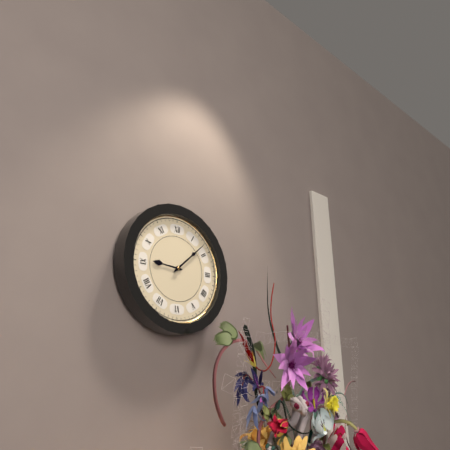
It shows 9:08
